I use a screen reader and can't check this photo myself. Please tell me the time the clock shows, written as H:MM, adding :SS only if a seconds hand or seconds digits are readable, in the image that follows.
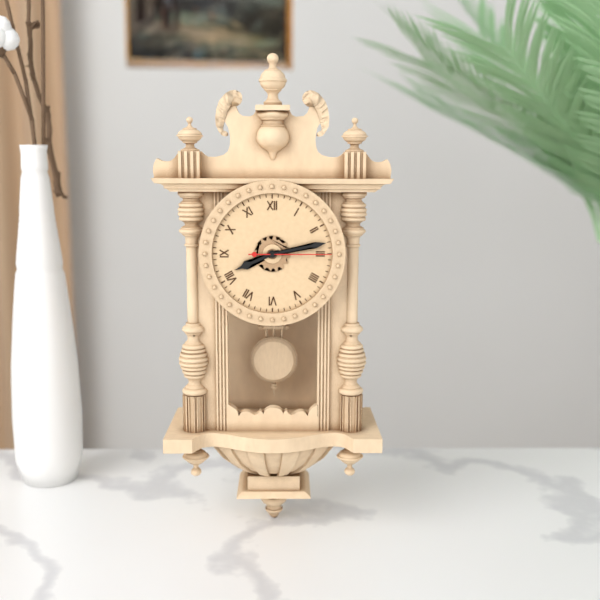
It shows 8:13:15
